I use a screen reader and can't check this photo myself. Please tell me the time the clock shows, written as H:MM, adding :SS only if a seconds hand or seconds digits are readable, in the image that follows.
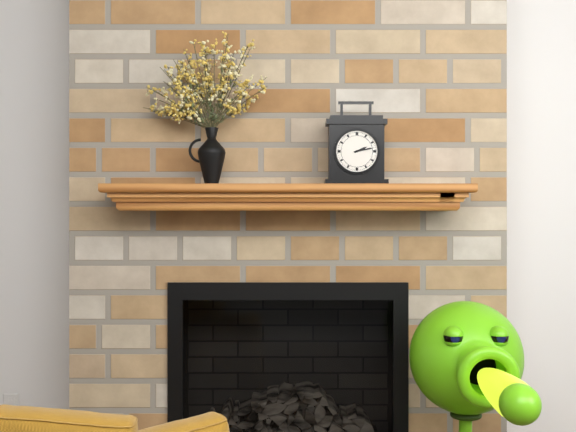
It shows 2:13
